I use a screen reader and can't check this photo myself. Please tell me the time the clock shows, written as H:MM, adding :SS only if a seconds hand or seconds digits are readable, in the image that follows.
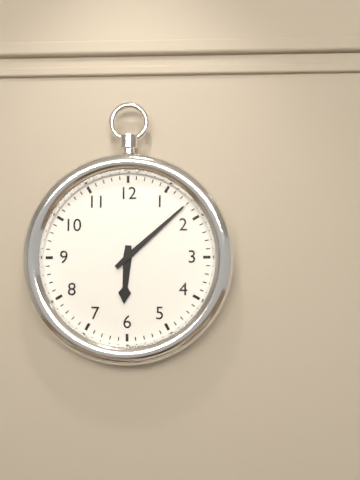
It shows 6:08
